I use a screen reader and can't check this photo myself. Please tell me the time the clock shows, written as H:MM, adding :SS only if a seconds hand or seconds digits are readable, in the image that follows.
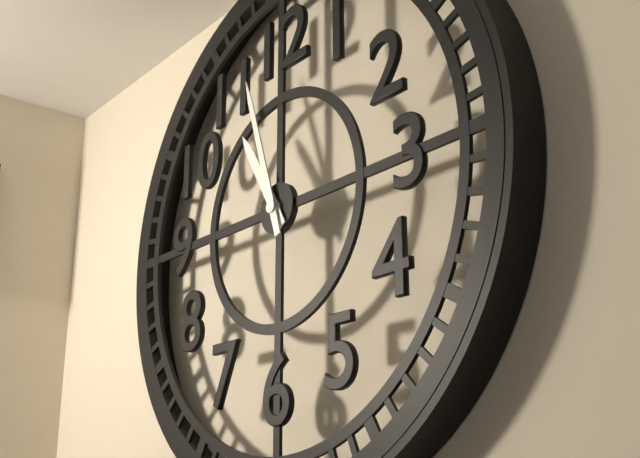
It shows 10:57
